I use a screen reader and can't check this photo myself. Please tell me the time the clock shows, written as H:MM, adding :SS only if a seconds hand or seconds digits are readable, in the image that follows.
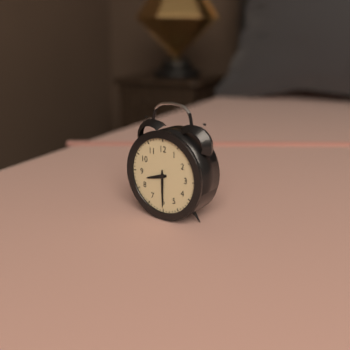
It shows 8:30
